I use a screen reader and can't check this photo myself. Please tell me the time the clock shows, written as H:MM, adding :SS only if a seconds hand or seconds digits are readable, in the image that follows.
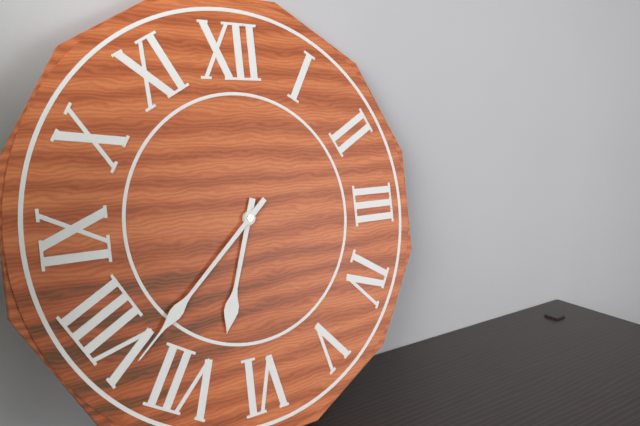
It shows 6:38
